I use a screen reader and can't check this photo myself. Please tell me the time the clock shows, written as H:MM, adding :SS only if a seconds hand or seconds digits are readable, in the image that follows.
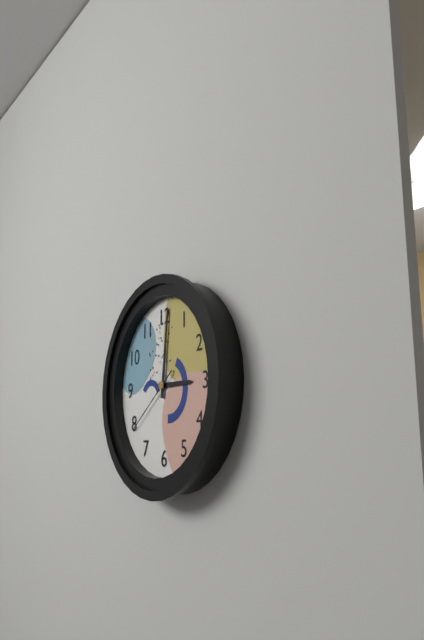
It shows 3:01:39
